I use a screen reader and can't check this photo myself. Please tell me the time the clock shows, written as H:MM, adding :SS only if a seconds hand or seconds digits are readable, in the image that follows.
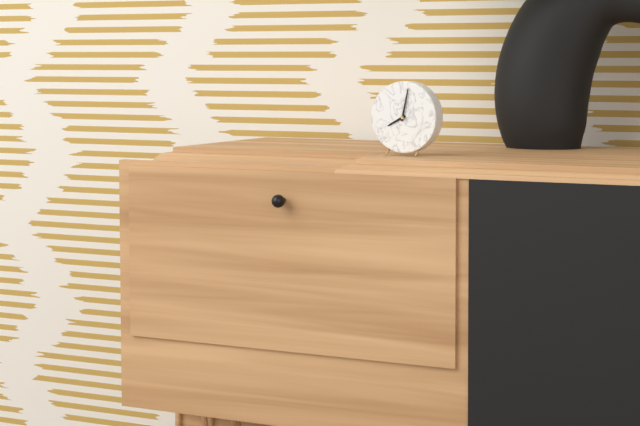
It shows 8:02
